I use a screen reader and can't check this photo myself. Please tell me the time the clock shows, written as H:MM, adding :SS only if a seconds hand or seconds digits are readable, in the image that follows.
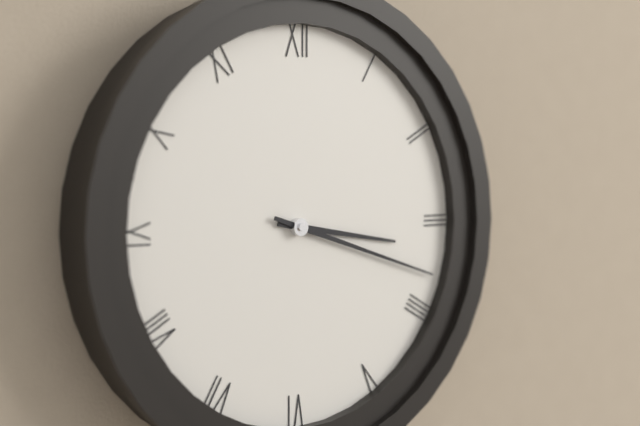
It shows 3:18
